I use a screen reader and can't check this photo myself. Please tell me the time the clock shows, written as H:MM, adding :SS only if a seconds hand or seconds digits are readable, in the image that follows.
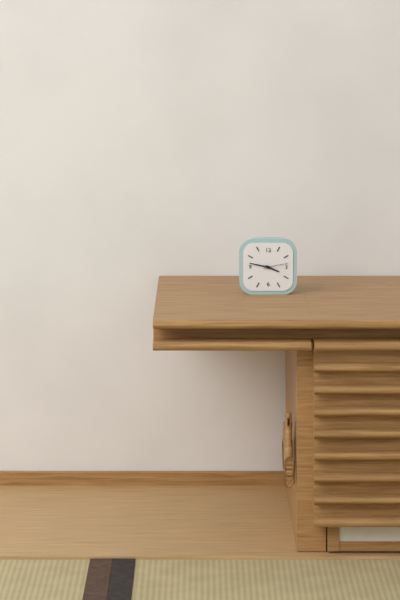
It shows 3:47
